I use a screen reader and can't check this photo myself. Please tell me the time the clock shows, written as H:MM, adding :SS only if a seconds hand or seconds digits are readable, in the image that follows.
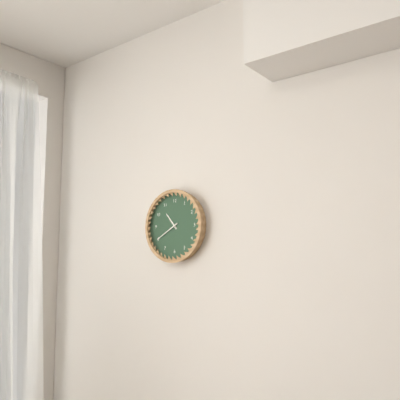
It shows 10:40
